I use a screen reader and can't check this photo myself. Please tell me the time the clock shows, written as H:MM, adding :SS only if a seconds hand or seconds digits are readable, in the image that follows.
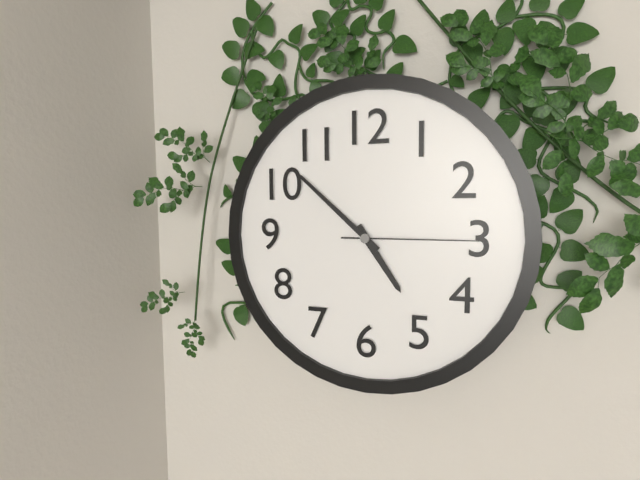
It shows 4:52:15
